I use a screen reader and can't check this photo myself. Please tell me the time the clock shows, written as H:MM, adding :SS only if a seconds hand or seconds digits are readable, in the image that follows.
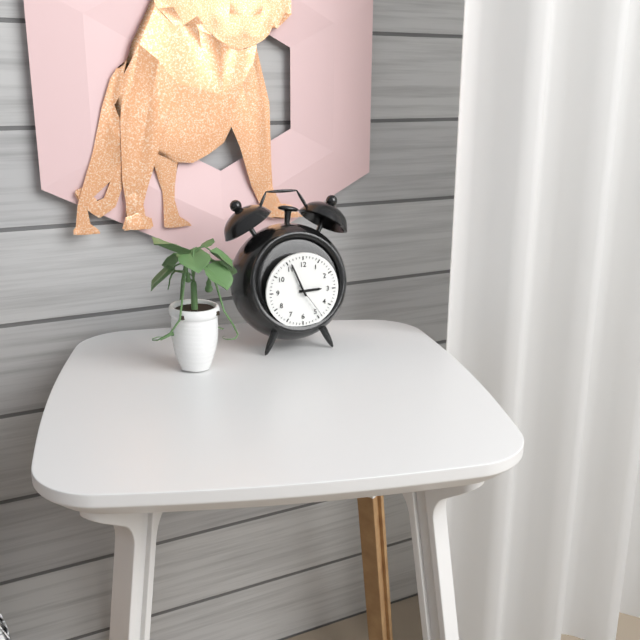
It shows 2:56
